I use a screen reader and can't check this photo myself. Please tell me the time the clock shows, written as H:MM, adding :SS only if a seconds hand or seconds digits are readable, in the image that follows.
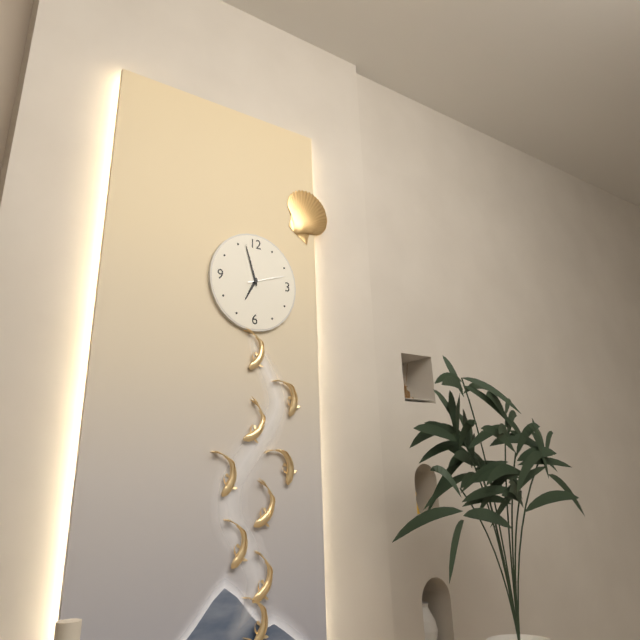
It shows 6:57
